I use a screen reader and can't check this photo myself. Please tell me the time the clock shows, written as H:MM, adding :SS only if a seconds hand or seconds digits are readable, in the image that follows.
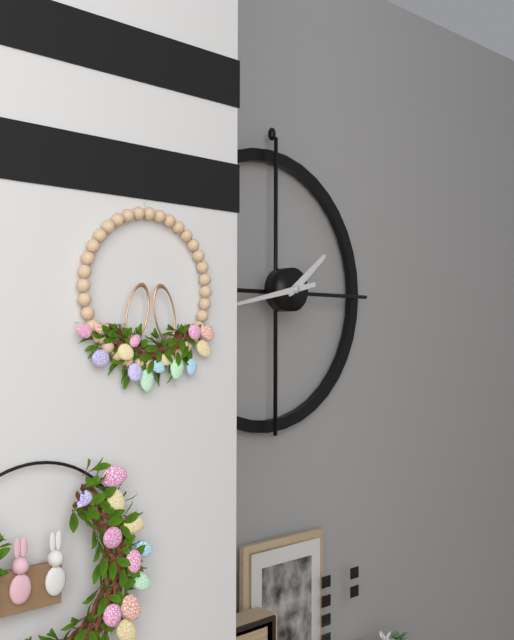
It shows 1:43
